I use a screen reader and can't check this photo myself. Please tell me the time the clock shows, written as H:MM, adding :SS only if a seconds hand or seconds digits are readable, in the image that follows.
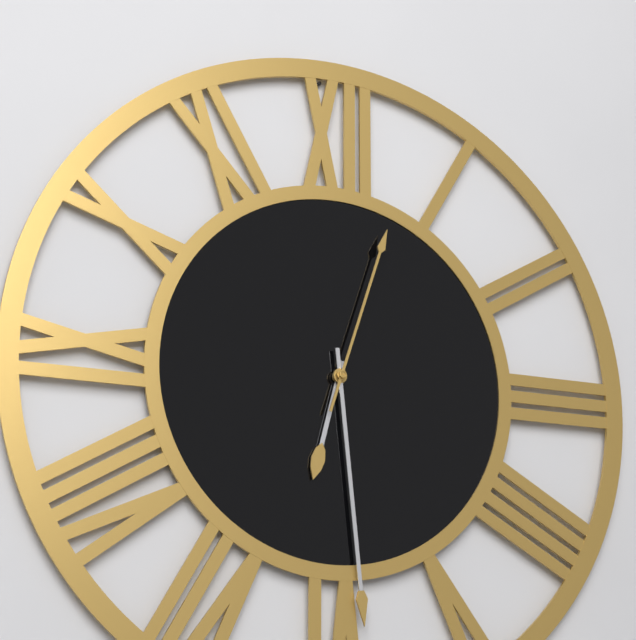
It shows 6:29:03
